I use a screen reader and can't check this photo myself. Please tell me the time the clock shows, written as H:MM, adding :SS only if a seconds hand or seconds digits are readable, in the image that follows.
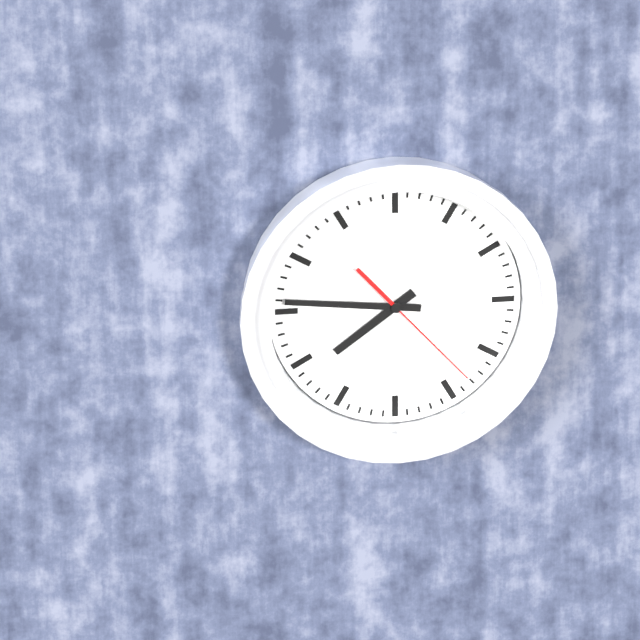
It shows 7:46:23
